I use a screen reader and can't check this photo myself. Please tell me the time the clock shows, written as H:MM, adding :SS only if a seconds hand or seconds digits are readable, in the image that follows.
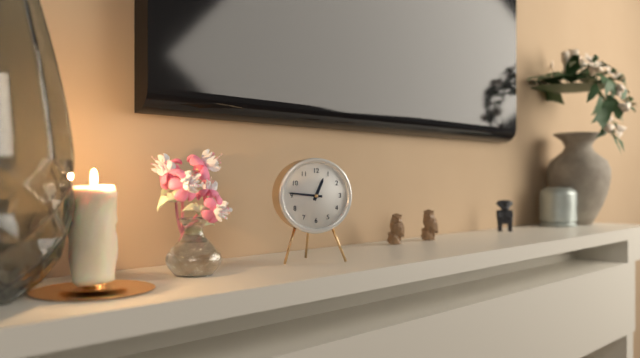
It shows 12:46
